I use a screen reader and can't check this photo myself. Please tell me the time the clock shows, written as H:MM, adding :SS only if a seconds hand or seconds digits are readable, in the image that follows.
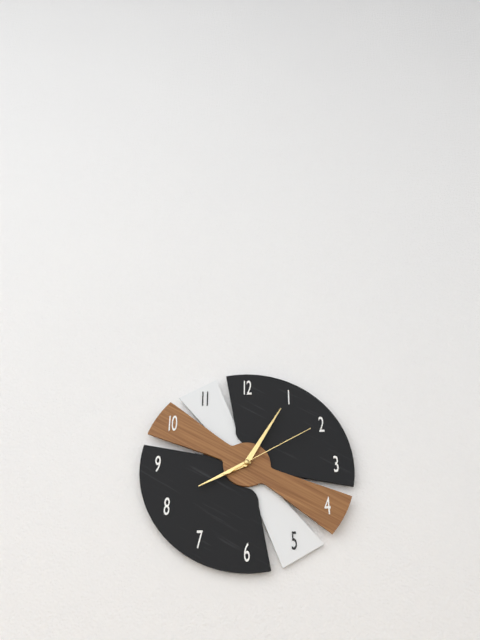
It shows 8:05:10
